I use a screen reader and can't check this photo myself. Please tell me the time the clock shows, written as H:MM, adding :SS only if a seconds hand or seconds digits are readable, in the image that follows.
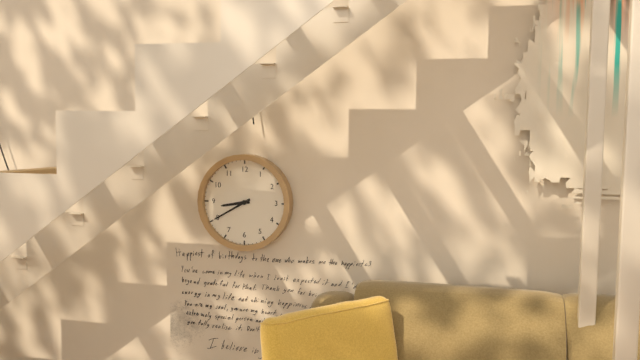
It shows 8:40
